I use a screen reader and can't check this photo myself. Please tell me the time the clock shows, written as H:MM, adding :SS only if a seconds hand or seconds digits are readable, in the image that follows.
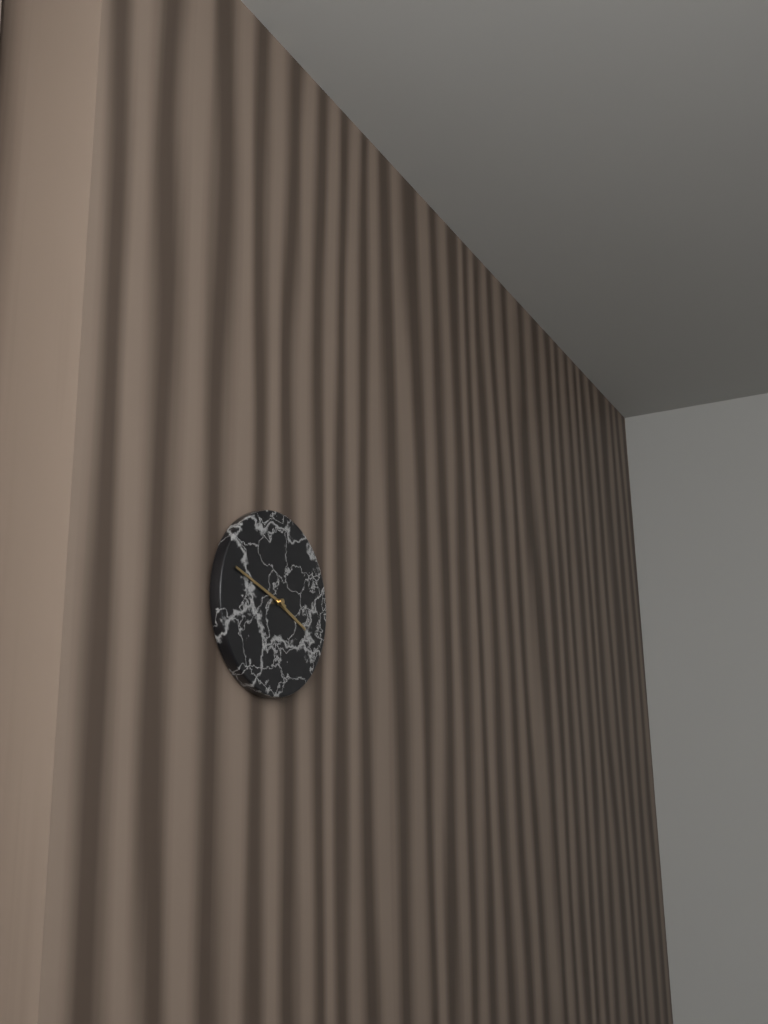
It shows 3:48
